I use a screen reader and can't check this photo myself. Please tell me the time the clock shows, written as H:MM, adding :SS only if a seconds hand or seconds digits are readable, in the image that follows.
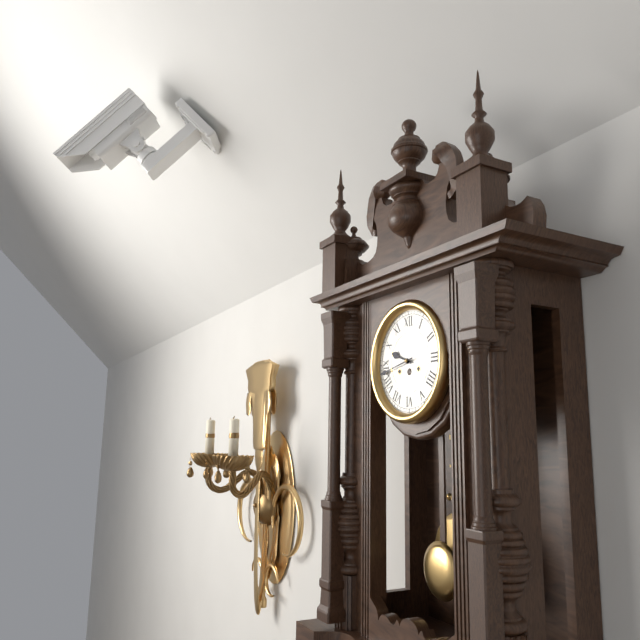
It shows 9:43
